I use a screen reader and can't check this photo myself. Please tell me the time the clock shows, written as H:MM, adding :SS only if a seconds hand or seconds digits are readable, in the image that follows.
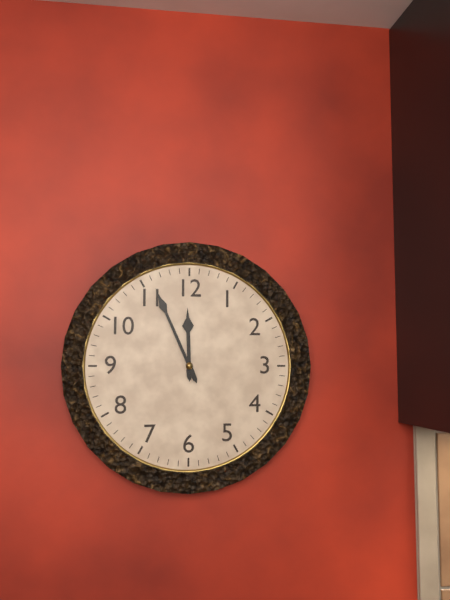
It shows 11:56
